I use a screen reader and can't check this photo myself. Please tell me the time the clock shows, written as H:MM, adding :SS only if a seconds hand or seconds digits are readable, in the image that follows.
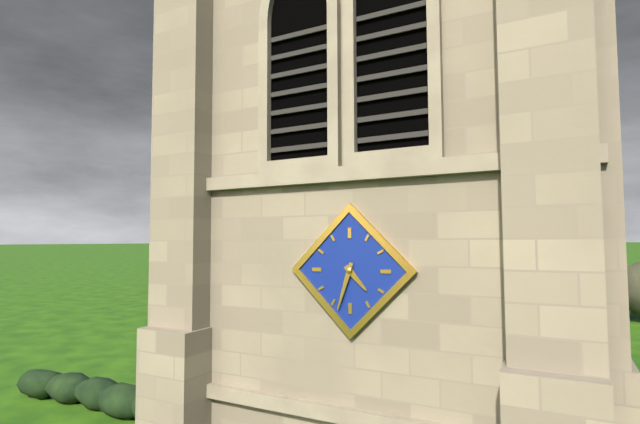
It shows 4:33
